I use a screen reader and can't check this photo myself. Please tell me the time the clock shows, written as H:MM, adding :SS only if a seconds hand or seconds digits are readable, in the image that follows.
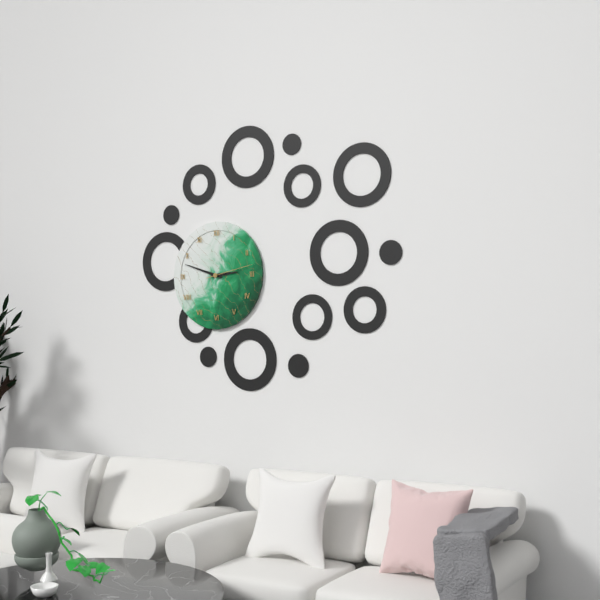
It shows 2:48
